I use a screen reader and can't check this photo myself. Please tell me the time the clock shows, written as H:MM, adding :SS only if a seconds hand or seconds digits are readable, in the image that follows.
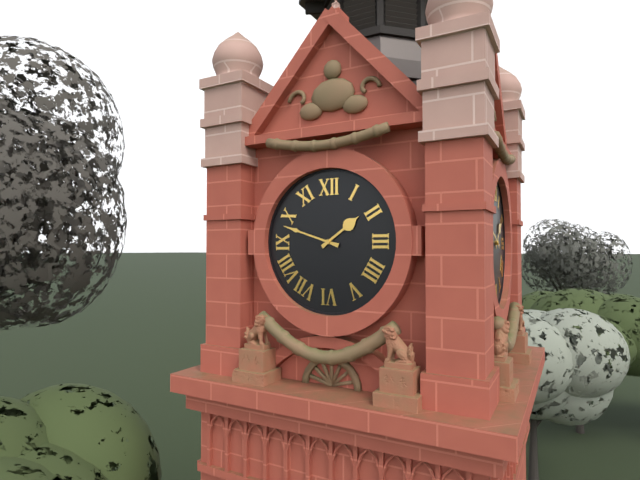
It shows 1:48
